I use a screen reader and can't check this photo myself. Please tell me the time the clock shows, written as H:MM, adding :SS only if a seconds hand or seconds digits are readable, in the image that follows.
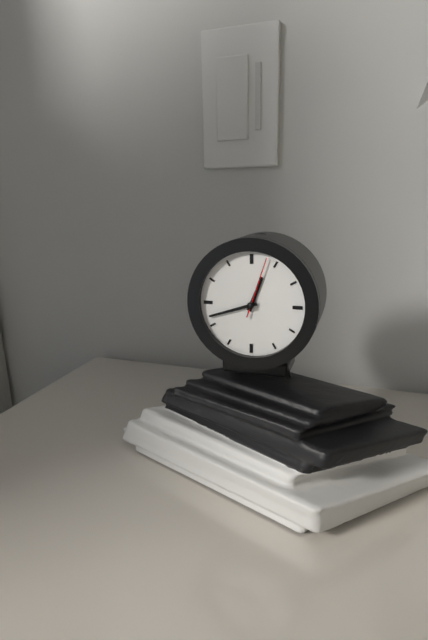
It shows 12:42:03
